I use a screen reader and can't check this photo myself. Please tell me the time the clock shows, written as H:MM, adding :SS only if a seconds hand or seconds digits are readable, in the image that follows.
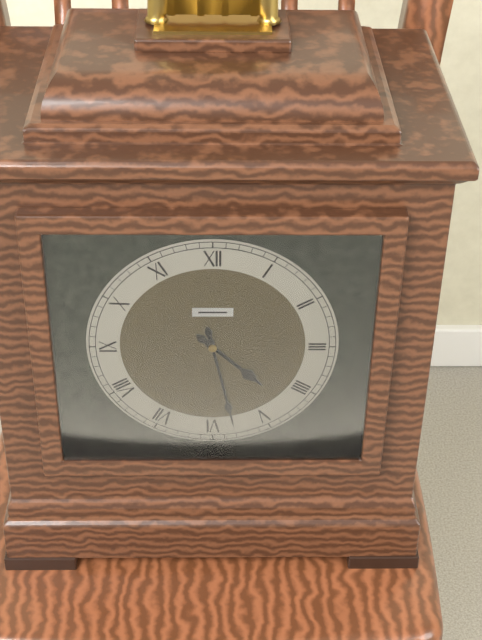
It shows 4:28
